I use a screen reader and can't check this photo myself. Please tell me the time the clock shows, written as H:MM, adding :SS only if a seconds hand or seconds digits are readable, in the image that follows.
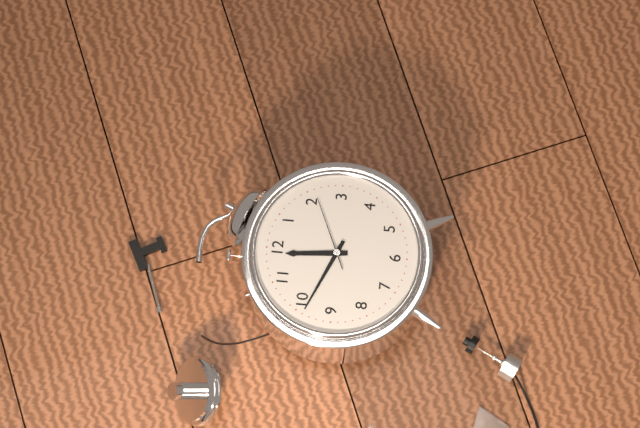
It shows 11:49:11
